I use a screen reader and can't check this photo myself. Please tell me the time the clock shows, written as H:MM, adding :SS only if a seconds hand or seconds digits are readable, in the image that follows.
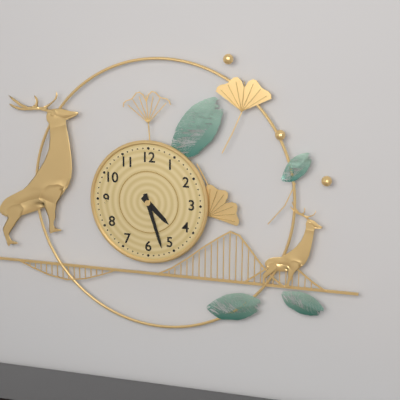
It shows 4:27
